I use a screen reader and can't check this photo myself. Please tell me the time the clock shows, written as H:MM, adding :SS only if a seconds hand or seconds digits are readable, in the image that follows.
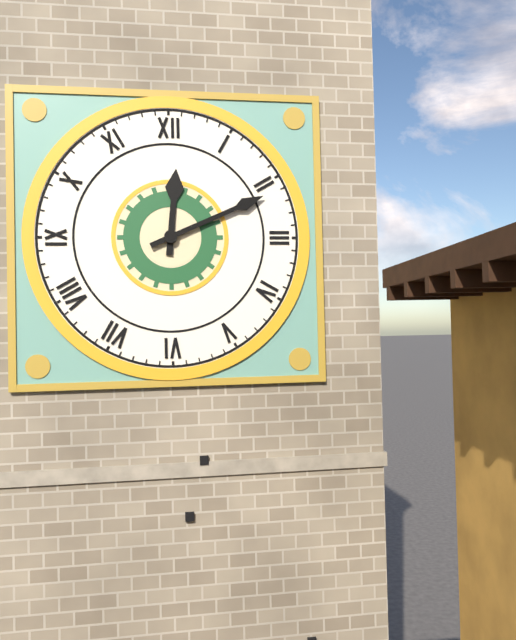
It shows 12:11
